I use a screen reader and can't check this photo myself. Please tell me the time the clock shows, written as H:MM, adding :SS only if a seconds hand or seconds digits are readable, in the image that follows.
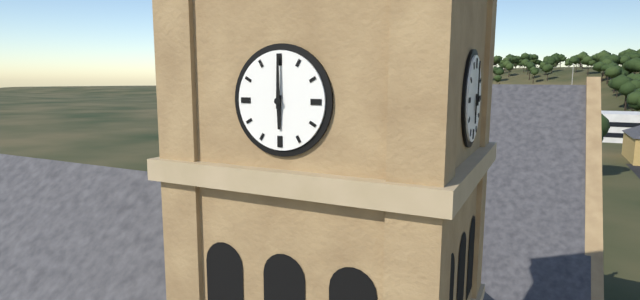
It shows 6:00
